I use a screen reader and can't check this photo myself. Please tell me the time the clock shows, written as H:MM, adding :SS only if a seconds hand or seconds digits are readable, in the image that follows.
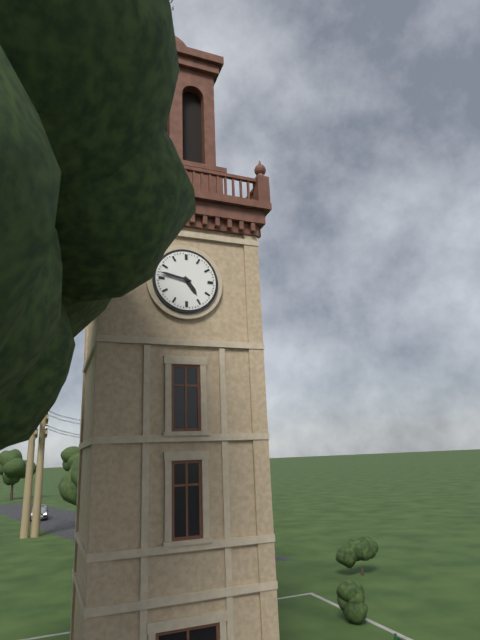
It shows 4:47
